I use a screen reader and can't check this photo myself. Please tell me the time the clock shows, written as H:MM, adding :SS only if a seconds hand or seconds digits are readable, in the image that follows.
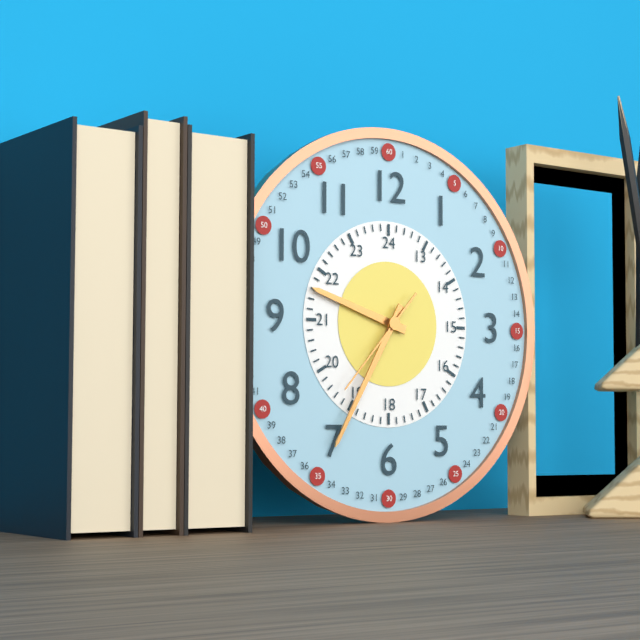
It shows 9:35:37
